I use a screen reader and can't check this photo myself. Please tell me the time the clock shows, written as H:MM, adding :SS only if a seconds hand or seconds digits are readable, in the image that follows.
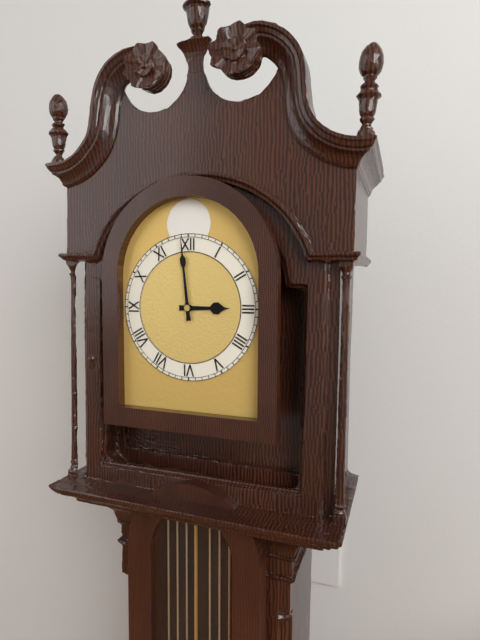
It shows 2:59
